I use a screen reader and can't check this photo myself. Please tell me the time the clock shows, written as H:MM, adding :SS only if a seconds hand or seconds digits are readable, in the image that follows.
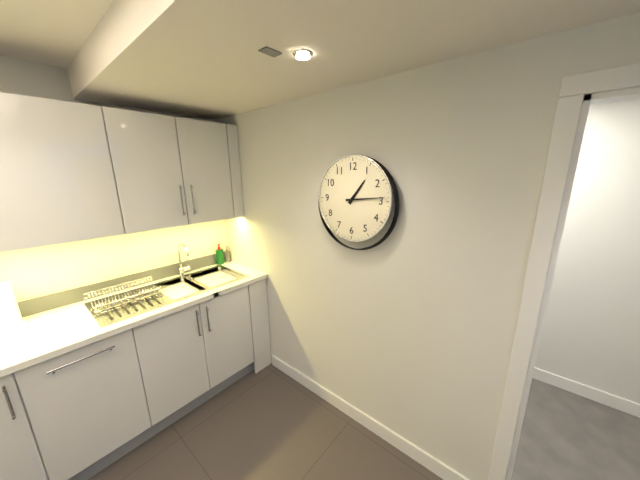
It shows 1:14
